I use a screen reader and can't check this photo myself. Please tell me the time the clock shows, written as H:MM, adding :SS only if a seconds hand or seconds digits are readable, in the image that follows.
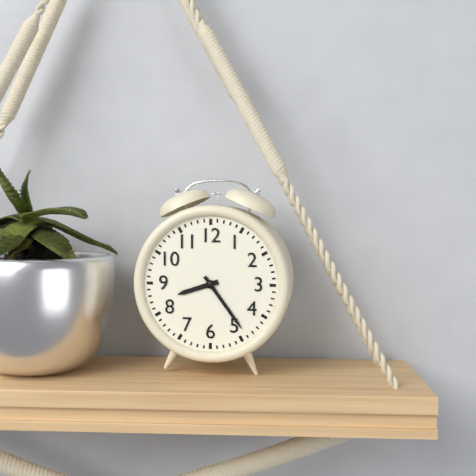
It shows 8:24
